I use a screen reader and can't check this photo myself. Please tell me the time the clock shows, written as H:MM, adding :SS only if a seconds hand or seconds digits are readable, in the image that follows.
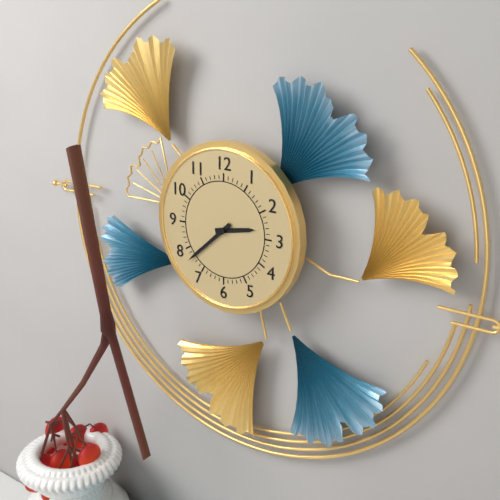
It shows 2:38
